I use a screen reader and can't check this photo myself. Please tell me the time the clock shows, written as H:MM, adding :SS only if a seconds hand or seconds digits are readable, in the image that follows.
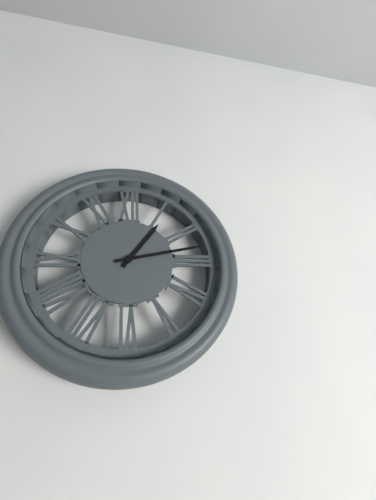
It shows 1:13
